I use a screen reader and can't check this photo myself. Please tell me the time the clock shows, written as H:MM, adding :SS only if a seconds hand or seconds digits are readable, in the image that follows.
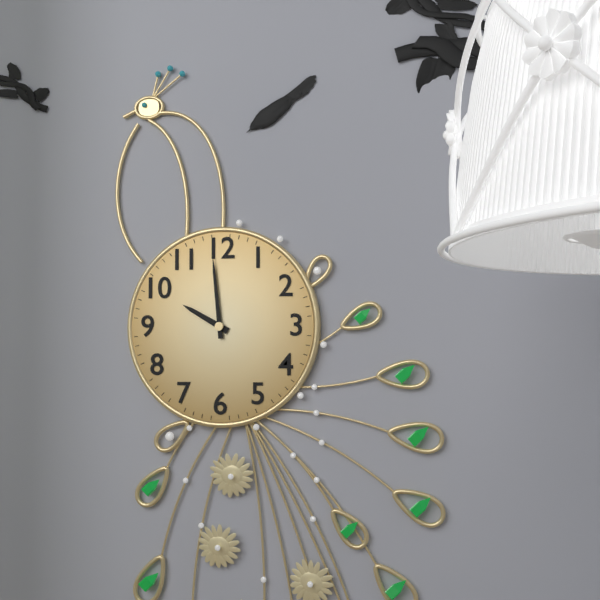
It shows 9:59
